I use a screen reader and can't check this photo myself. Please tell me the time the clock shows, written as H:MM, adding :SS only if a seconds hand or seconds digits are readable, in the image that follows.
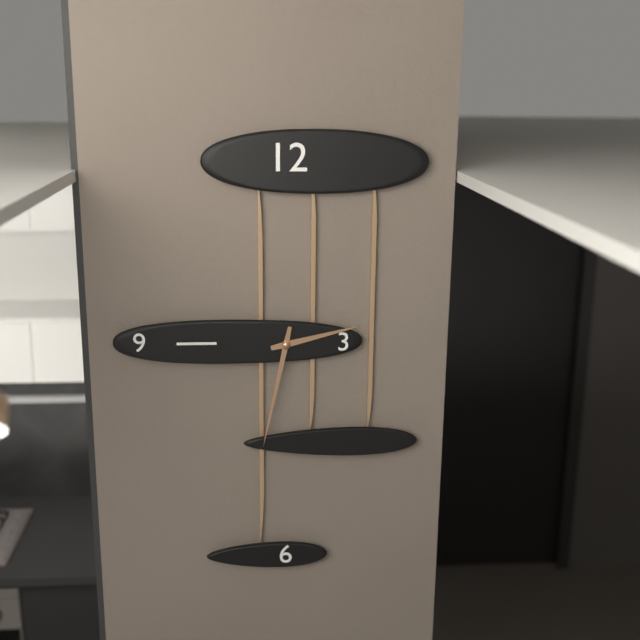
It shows 2:32
